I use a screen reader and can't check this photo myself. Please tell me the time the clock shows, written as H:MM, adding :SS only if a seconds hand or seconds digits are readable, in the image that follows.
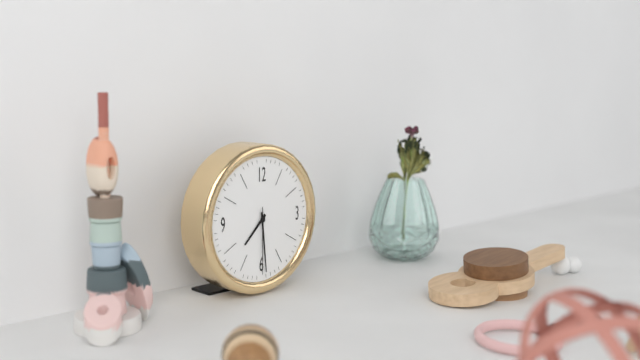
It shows 7:29:30
